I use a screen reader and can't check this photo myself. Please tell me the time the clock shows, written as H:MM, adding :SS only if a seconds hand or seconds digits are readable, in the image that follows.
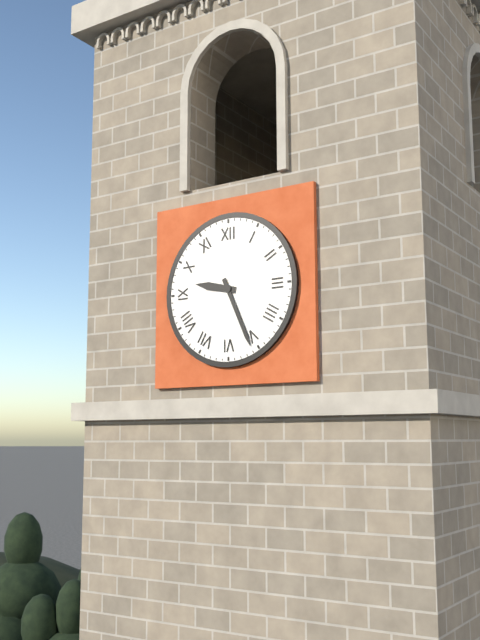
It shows 9:26
